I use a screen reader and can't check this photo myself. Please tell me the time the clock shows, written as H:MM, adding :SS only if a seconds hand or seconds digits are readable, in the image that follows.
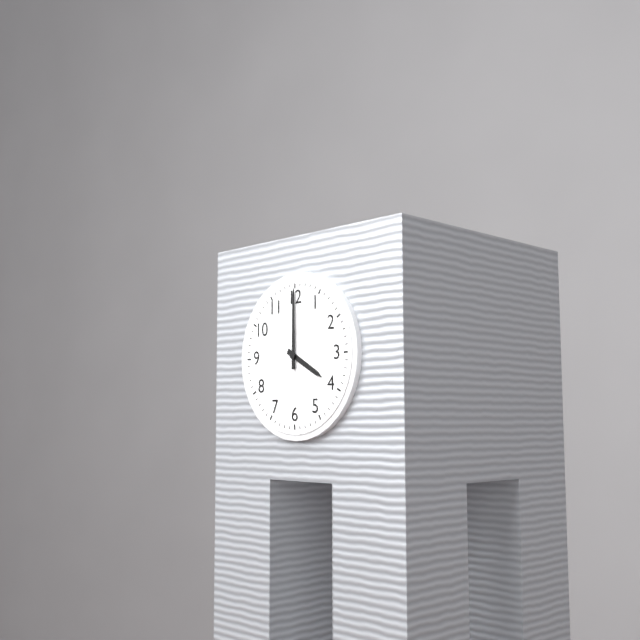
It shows 4:00
